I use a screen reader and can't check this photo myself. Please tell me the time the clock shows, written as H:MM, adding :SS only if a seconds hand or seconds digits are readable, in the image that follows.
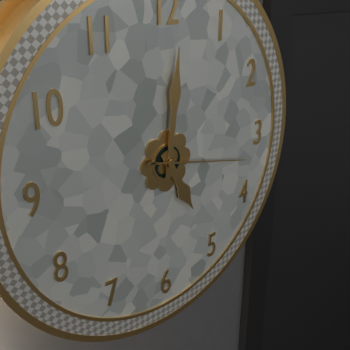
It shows 5:01:17
